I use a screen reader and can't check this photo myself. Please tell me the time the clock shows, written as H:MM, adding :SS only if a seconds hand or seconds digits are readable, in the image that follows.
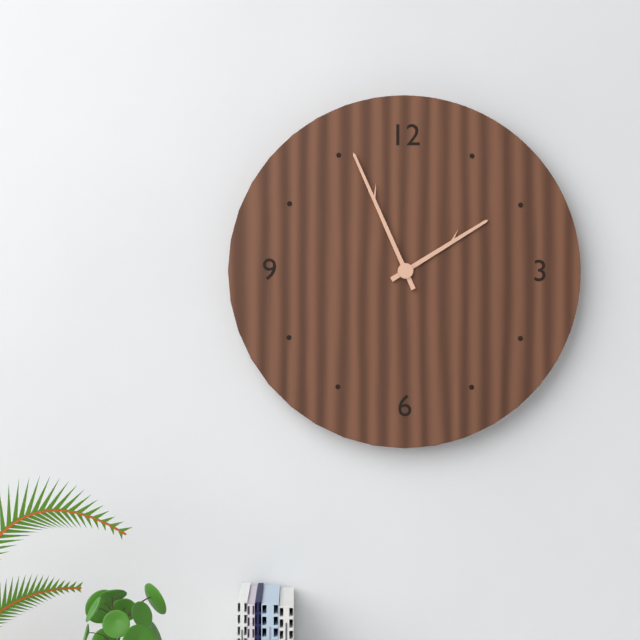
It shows 1:56
